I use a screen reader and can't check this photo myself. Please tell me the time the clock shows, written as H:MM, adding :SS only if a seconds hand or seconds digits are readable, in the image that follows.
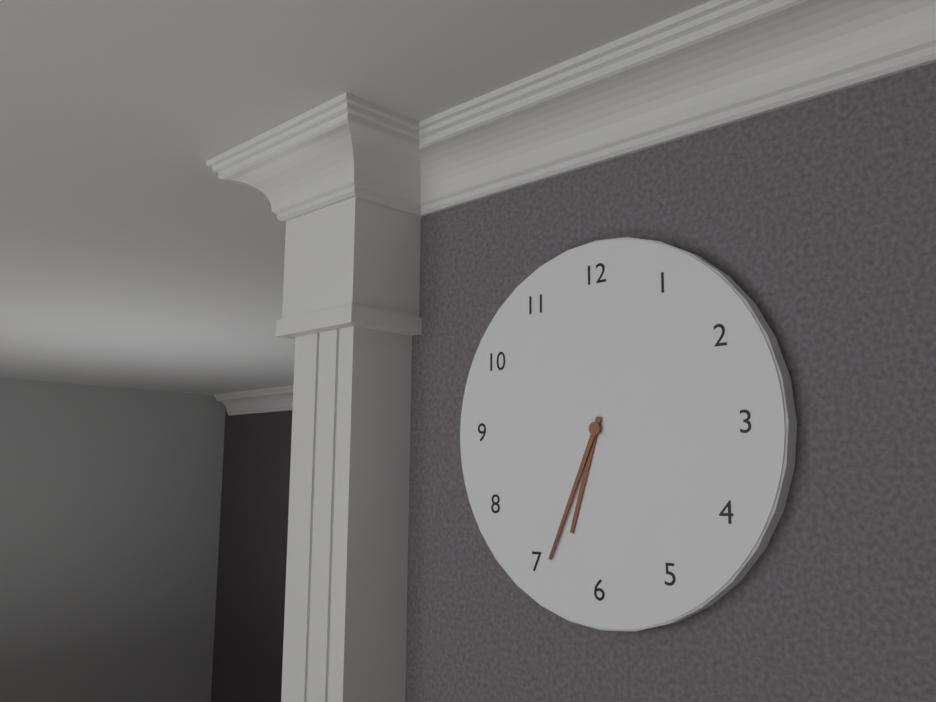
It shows 6:34
